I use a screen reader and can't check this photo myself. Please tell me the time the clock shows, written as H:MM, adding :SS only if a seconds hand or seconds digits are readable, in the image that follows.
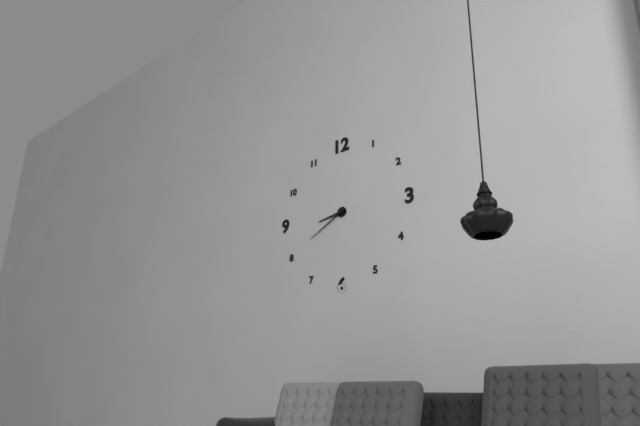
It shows 8:40
